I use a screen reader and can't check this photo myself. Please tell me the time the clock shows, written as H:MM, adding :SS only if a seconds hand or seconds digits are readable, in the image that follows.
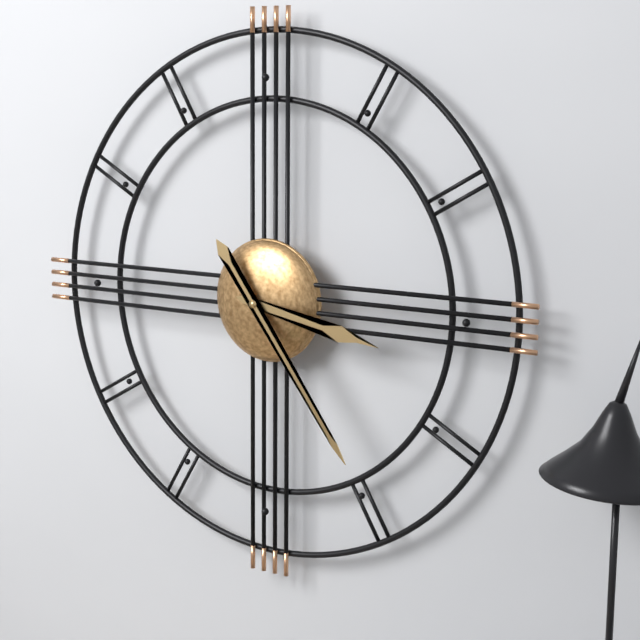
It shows 3:24
